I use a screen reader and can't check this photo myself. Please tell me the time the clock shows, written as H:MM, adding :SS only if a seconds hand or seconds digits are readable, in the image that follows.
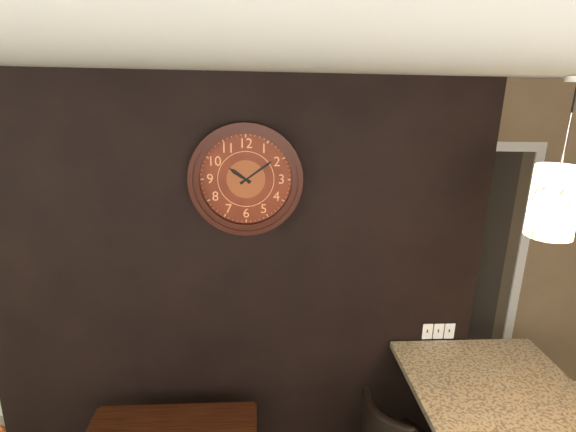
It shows 10:09
